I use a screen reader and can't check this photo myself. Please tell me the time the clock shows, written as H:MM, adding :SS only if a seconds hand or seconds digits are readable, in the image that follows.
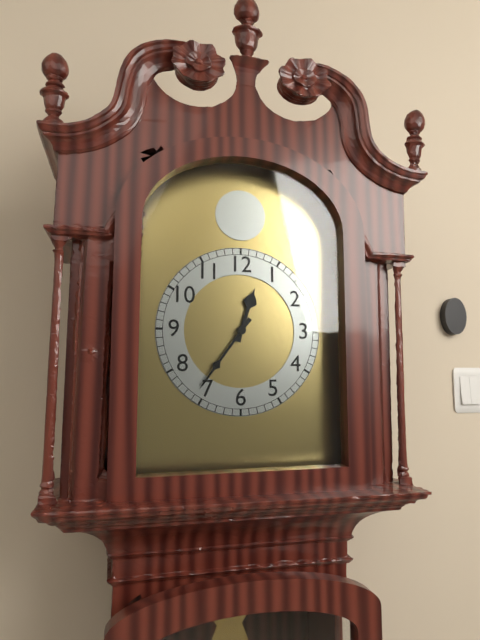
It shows 12:36
